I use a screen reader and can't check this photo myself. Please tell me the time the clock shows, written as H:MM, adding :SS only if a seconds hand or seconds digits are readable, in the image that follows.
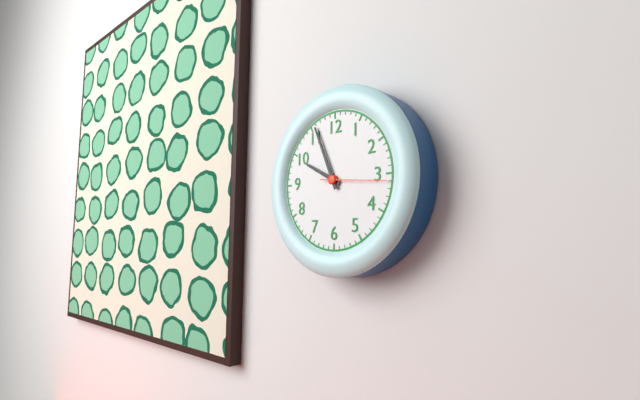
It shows 9:56
